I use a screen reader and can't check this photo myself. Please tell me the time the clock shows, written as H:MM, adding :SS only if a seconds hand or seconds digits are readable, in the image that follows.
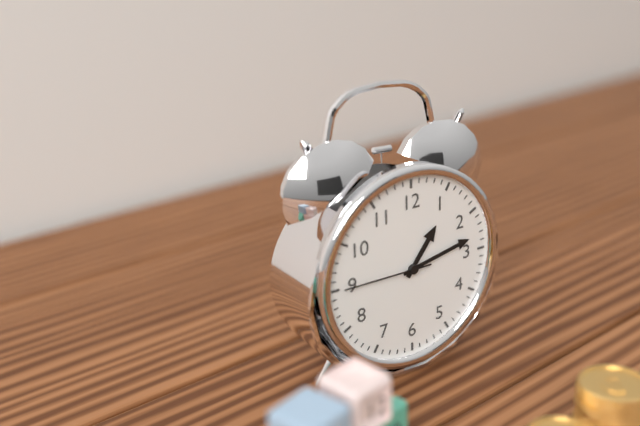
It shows 1:13:45
